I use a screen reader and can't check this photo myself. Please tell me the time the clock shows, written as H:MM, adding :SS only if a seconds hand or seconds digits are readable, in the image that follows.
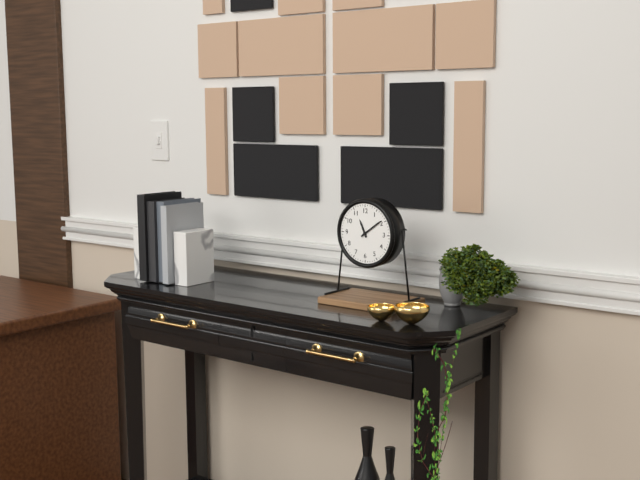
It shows 11:09
